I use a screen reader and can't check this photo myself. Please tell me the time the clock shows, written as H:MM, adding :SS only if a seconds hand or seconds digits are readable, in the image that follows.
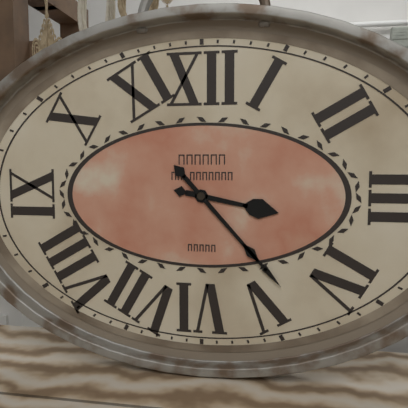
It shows 3:23
